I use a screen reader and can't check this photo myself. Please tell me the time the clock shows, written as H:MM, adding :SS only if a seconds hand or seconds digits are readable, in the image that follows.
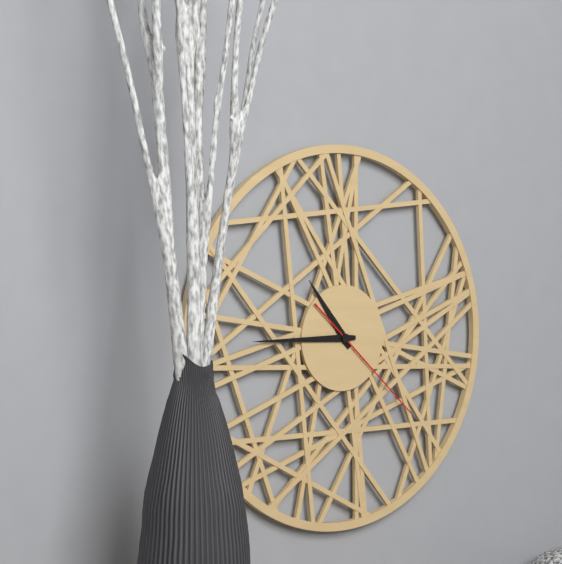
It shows 10:45:22
